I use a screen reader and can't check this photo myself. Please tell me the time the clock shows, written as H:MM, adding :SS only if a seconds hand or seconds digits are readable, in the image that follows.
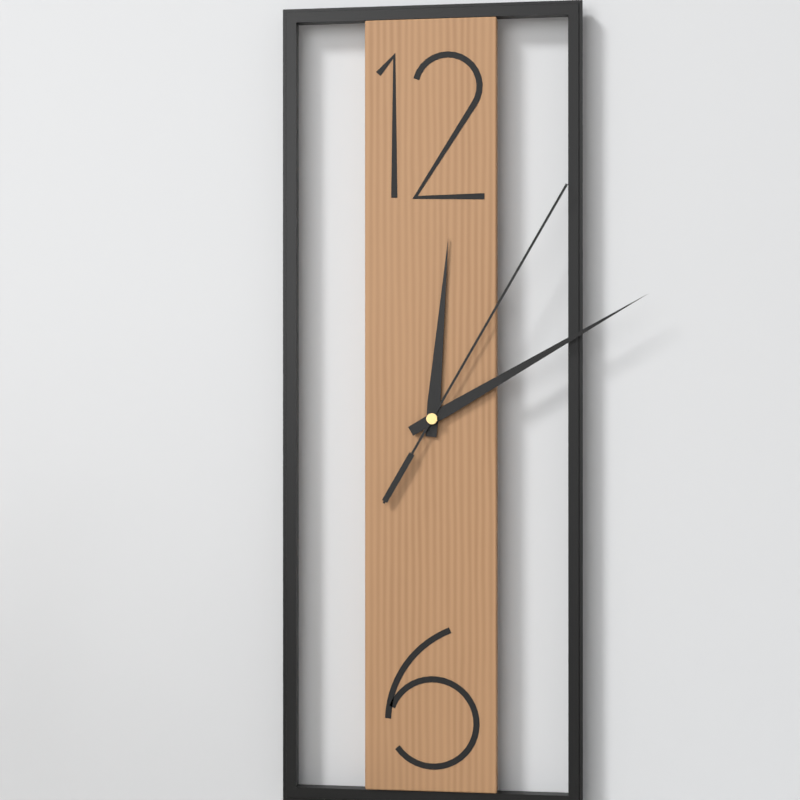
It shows 12:10:05
